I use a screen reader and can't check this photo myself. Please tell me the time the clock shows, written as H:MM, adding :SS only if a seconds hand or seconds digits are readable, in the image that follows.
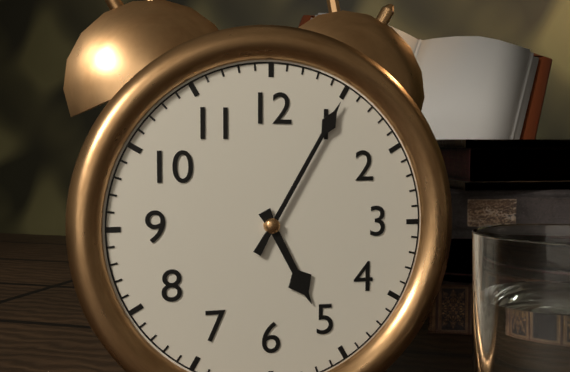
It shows 5:05
